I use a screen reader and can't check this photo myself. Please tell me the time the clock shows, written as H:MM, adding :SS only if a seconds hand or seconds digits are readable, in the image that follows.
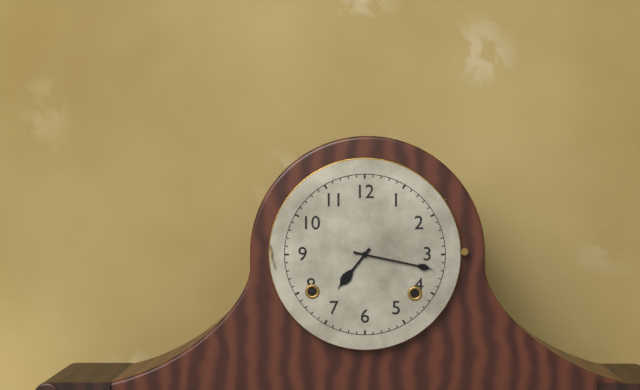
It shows 7:17
